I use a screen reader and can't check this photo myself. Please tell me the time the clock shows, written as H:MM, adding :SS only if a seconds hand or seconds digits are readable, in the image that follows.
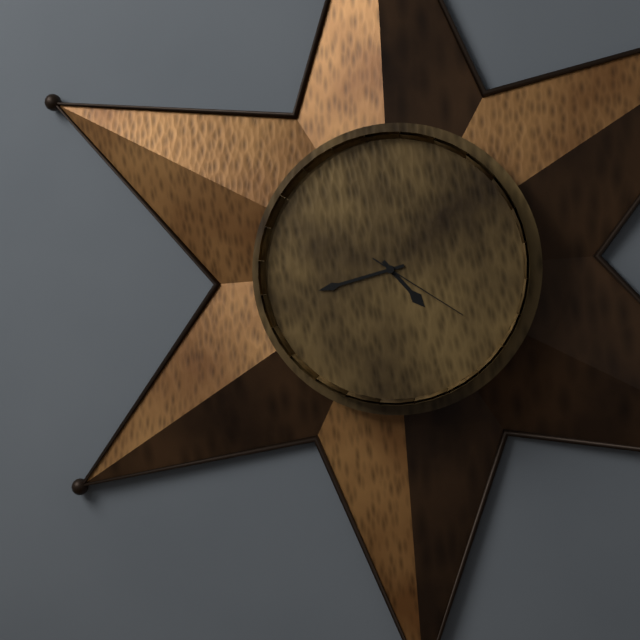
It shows 4:43:21
